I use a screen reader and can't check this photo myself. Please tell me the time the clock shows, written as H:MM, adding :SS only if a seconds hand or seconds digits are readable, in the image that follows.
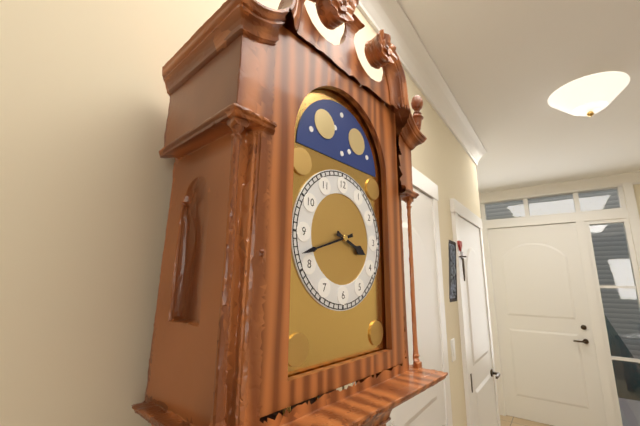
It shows 3:42
